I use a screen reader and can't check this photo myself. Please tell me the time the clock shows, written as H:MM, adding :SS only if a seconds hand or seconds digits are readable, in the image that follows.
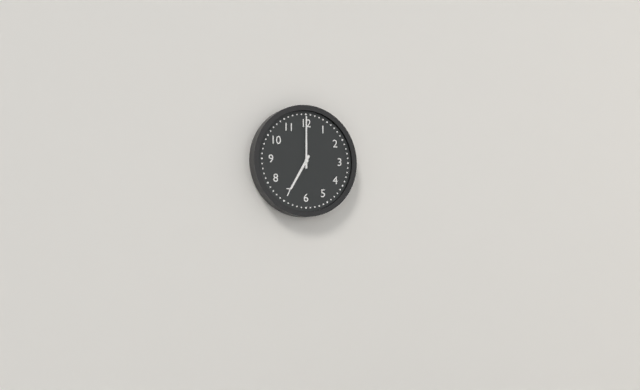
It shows 7:00
